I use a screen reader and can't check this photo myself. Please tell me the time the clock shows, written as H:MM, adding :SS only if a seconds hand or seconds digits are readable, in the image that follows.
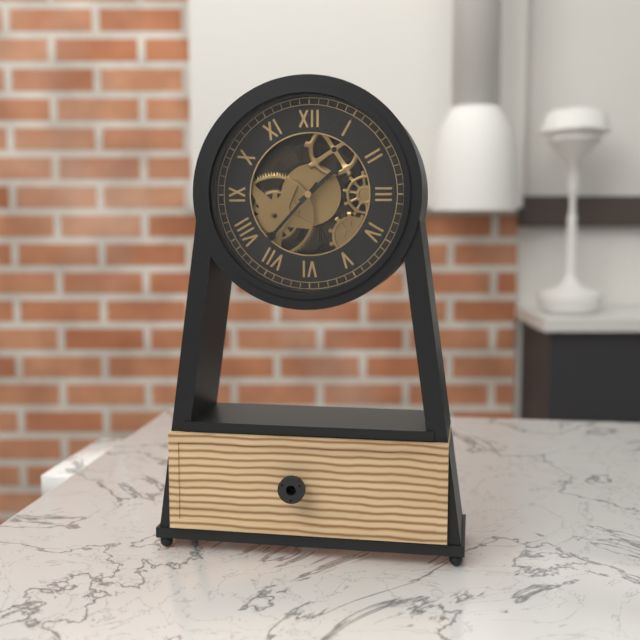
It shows 1:37
